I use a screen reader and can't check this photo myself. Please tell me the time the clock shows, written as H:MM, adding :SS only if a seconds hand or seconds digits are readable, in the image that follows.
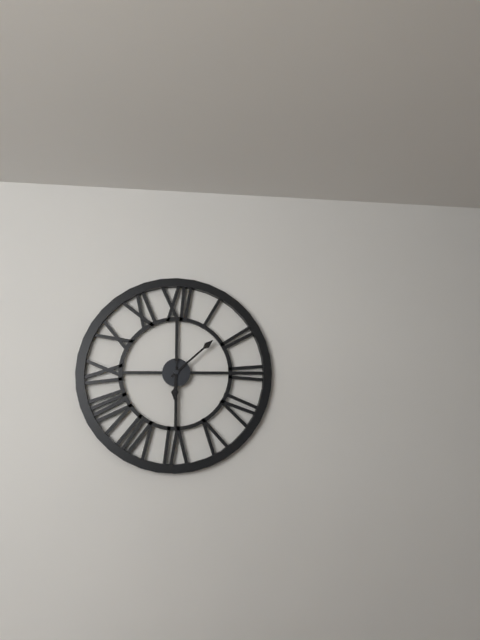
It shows 6:08:30
